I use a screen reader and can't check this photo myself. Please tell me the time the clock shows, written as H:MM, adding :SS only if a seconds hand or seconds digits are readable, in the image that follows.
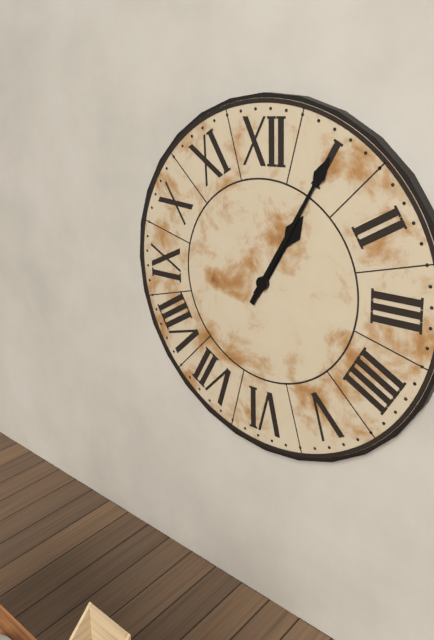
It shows 1:05
